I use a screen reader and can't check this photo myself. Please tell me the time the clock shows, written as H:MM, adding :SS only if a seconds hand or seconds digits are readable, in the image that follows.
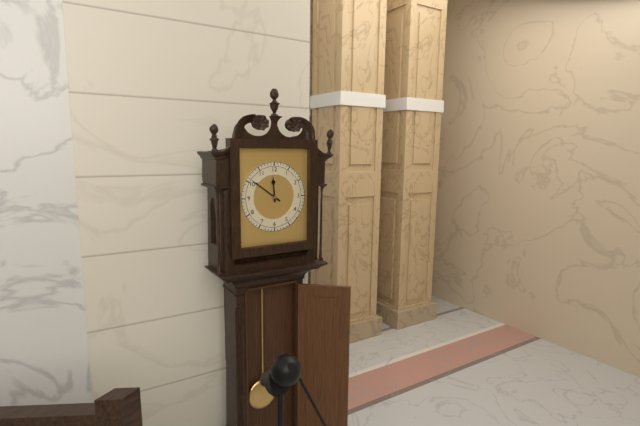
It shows 11:51
